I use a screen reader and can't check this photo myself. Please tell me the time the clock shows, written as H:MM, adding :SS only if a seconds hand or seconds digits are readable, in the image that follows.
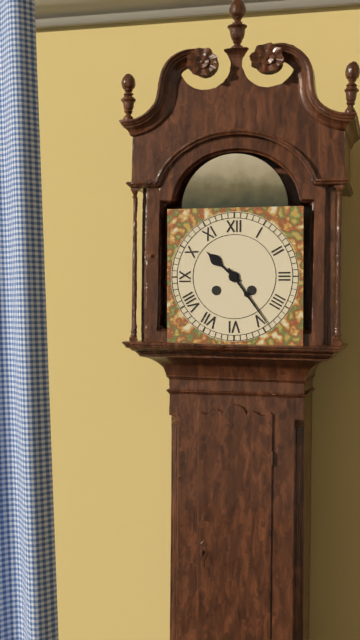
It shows 10:24
